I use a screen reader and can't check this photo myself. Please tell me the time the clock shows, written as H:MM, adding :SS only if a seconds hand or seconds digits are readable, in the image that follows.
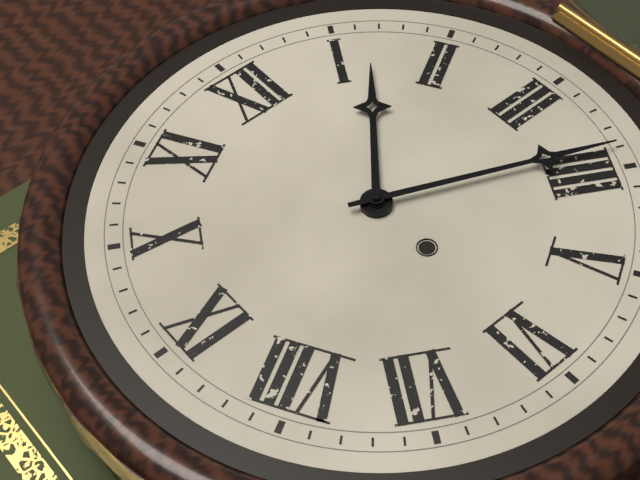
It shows 1:19
